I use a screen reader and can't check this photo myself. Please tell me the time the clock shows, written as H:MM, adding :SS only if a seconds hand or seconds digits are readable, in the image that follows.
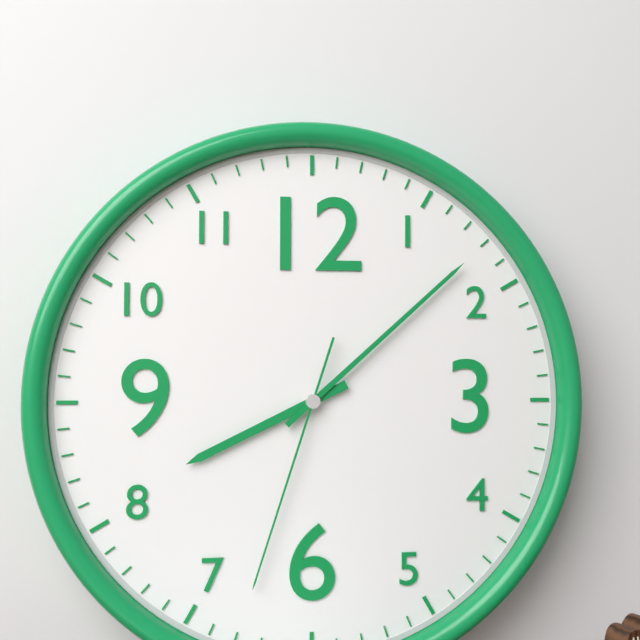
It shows 8:08:33
